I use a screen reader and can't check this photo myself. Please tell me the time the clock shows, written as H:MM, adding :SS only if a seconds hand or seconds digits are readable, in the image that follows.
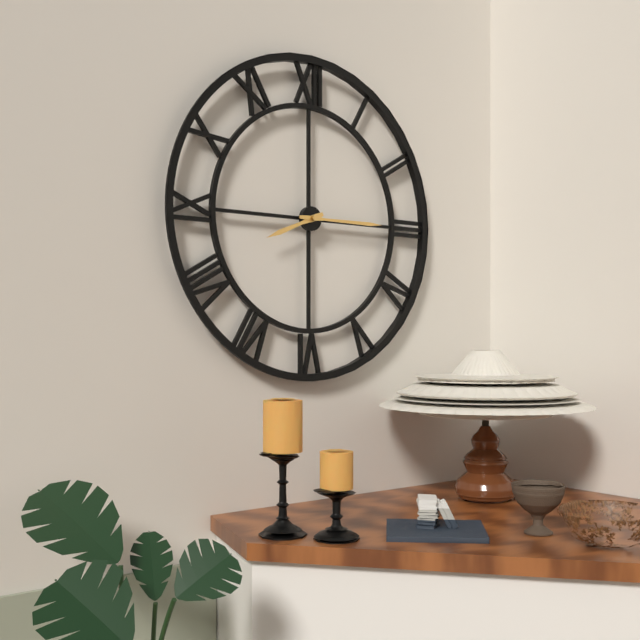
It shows 8:15
